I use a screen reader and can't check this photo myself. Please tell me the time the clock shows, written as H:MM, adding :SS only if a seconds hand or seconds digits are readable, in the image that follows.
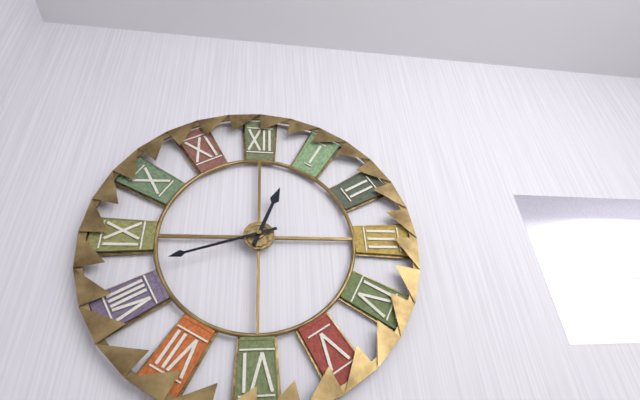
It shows 12:42
